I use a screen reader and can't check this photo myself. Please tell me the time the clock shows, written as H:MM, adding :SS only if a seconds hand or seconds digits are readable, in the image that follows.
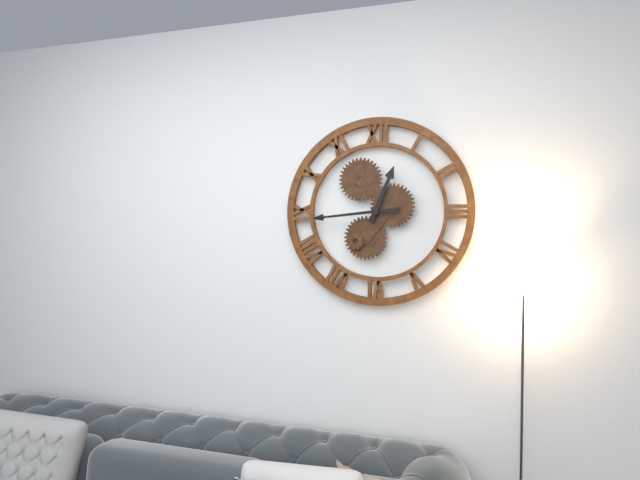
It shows 12:44
